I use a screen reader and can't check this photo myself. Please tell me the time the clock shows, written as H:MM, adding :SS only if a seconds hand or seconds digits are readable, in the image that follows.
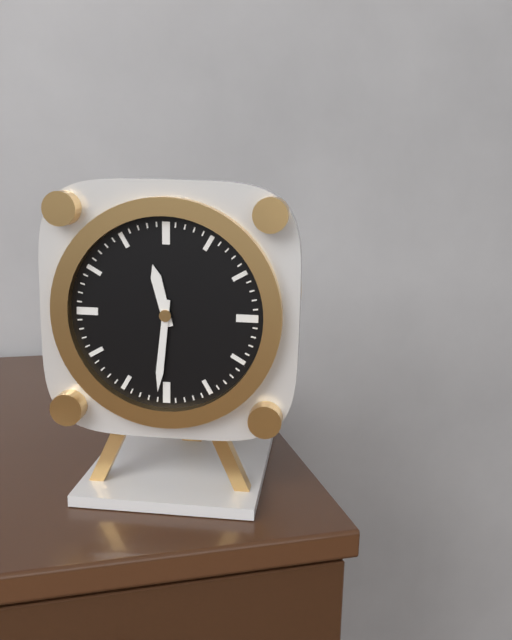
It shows 11:31
